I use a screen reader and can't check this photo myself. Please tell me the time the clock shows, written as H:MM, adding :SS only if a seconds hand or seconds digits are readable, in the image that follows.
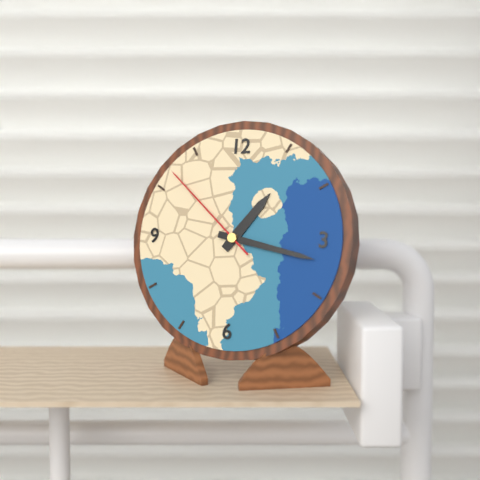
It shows 1:17:52
